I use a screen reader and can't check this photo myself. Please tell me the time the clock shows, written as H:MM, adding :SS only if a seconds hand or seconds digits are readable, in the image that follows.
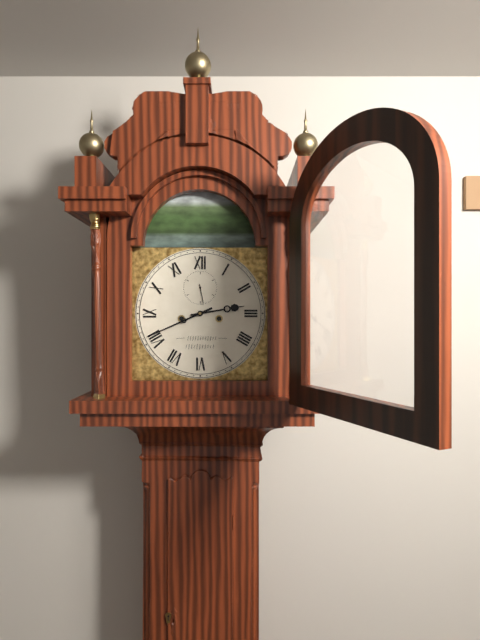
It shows 2:41
